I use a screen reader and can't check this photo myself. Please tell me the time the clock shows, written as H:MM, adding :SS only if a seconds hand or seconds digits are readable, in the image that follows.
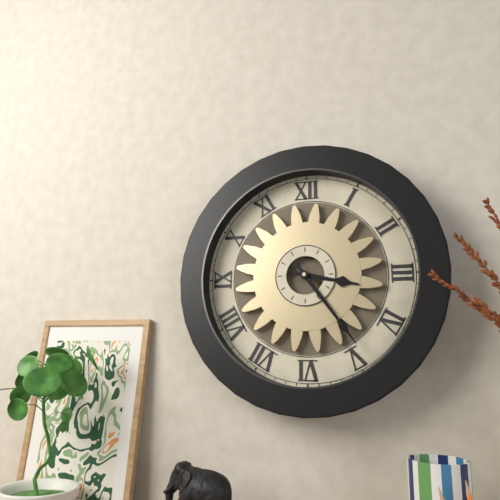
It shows 3:24
